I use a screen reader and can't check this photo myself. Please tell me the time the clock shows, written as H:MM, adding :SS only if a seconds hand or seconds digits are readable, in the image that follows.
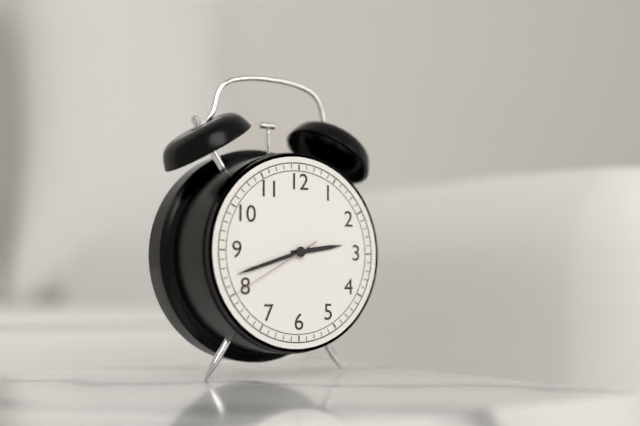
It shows 2:42:40
